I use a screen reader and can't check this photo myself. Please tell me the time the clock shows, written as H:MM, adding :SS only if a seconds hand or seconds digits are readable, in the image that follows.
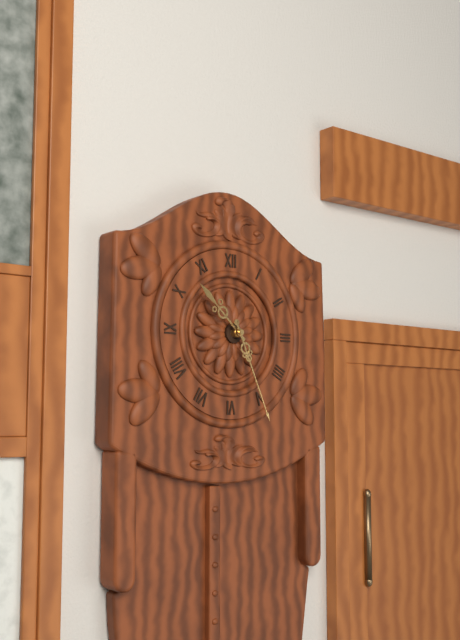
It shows 10:26
